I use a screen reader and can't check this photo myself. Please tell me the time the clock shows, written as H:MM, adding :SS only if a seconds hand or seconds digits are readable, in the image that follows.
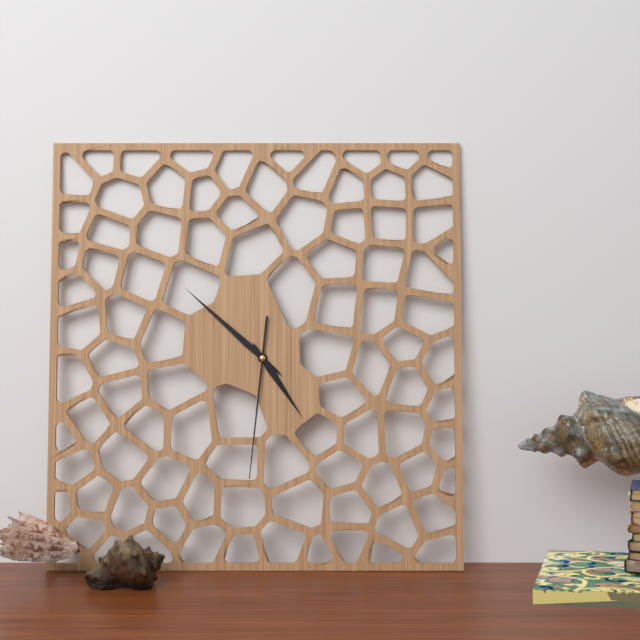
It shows 4:52:31
